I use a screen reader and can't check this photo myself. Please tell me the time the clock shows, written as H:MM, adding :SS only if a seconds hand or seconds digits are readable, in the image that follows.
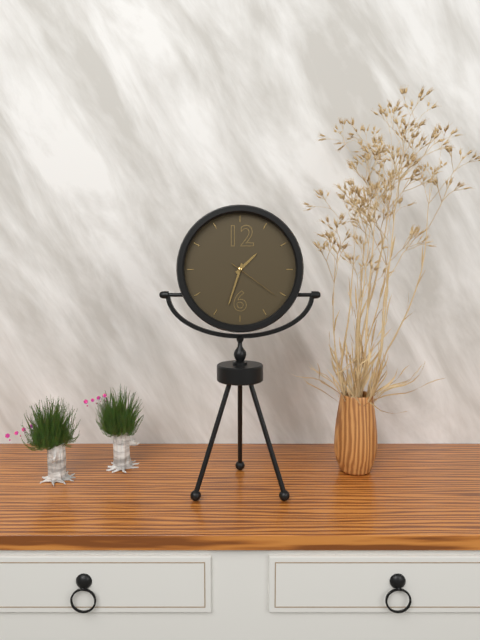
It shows 1:33:21
